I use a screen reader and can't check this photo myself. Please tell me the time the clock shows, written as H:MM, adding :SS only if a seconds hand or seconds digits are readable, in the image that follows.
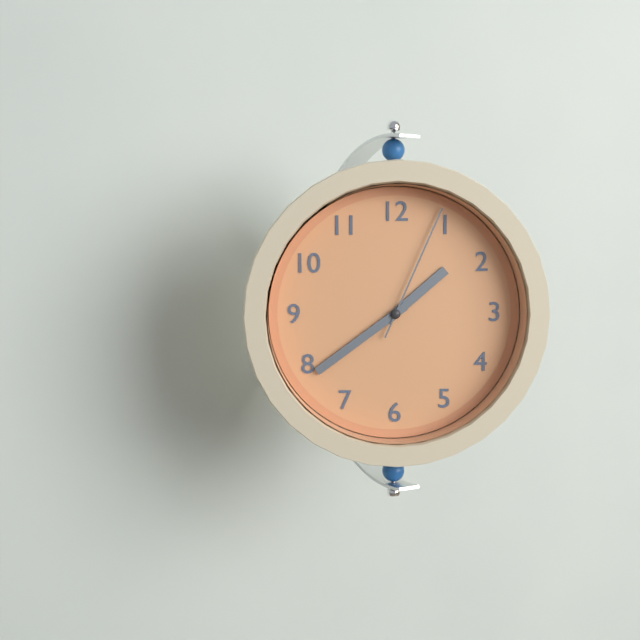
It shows 1:39:04
